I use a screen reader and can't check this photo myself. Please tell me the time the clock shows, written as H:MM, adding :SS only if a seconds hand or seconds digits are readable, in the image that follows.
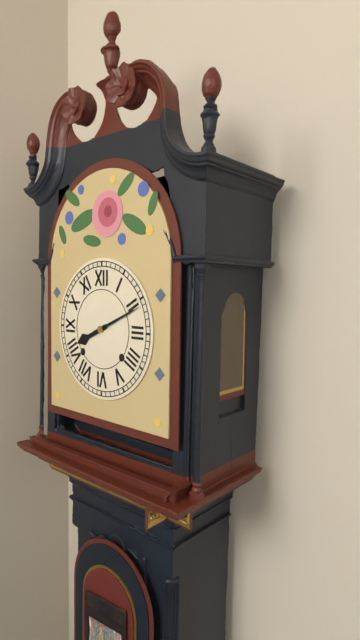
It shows 8:11
